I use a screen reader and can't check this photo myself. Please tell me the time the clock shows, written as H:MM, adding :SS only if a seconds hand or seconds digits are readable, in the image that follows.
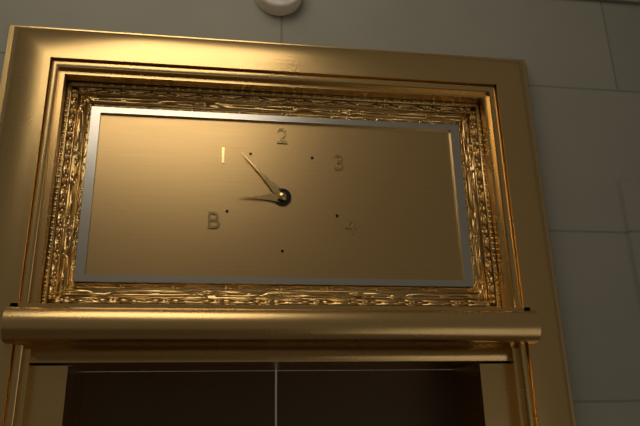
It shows 8:53
